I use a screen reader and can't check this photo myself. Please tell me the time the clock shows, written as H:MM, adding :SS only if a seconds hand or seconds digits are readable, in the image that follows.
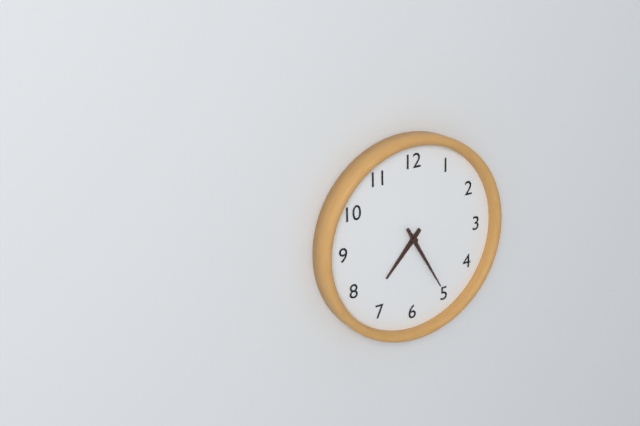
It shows 7:25
